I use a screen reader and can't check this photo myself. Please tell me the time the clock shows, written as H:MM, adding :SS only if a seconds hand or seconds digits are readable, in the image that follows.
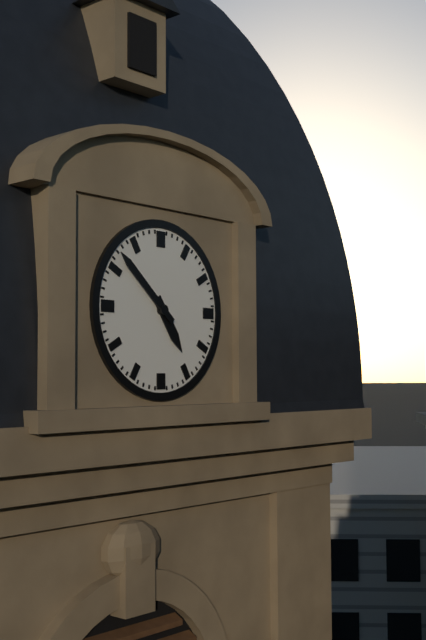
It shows 4:52
